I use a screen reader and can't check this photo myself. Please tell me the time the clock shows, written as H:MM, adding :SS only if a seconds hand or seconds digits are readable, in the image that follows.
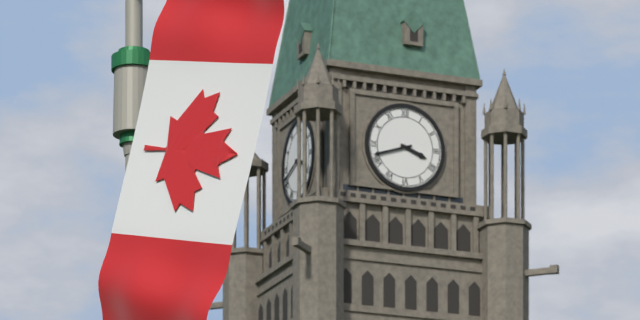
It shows 3:42
